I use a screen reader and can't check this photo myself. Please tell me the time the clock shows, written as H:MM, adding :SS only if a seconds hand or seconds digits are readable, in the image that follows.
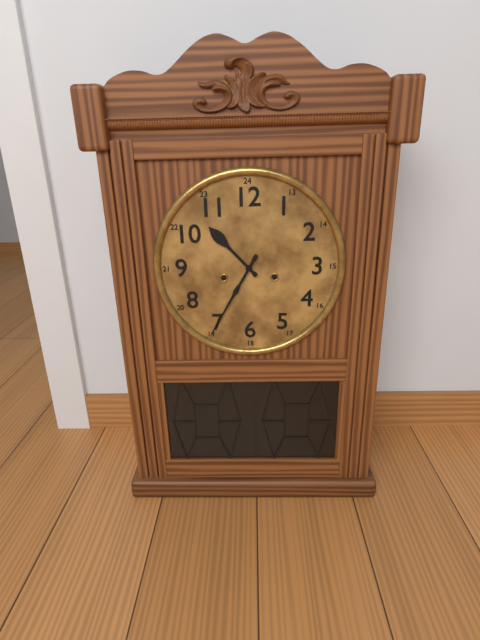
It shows 10:35
